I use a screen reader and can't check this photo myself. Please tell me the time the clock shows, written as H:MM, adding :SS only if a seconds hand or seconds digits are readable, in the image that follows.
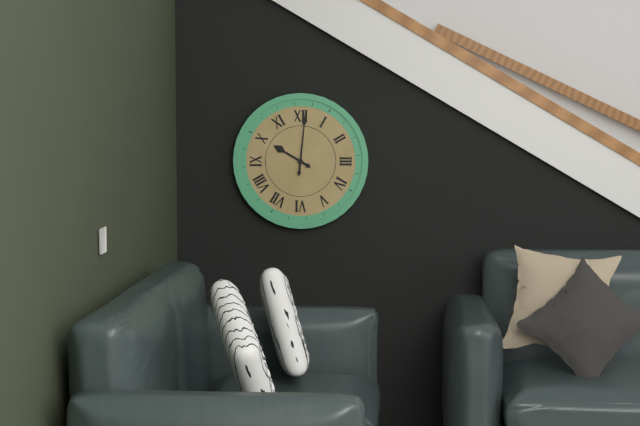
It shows 10:01
